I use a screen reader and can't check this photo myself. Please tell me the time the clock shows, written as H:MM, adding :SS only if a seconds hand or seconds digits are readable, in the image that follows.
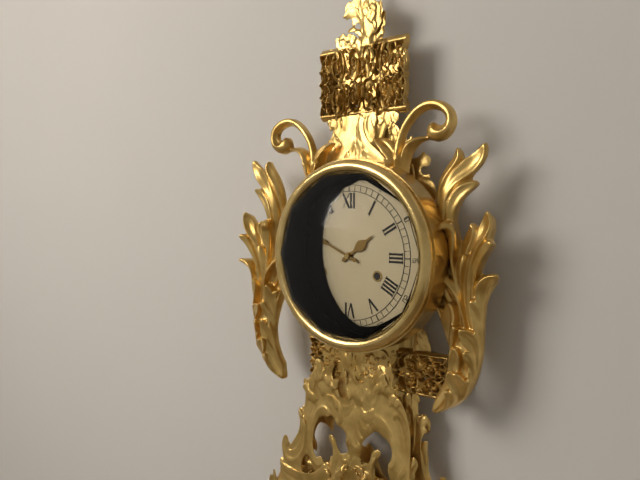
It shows 1:49
